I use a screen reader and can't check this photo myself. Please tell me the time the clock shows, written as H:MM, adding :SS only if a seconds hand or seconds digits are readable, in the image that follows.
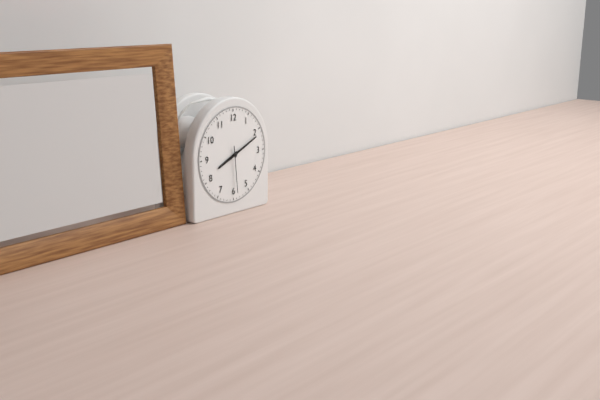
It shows 8:11
